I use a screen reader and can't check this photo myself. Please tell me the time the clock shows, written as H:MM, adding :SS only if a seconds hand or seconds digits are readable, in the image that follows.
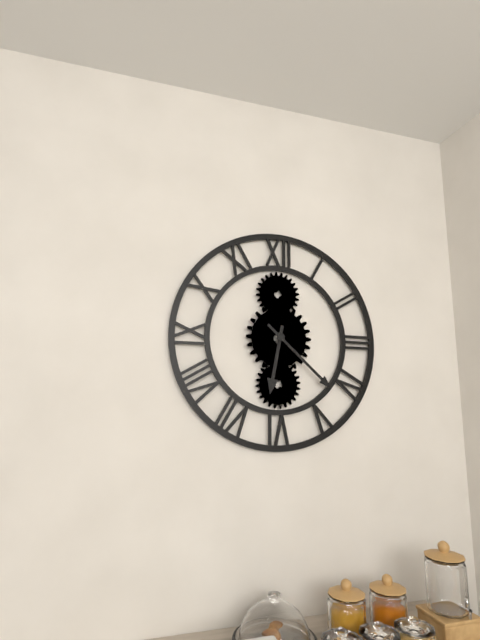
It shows 6:22
